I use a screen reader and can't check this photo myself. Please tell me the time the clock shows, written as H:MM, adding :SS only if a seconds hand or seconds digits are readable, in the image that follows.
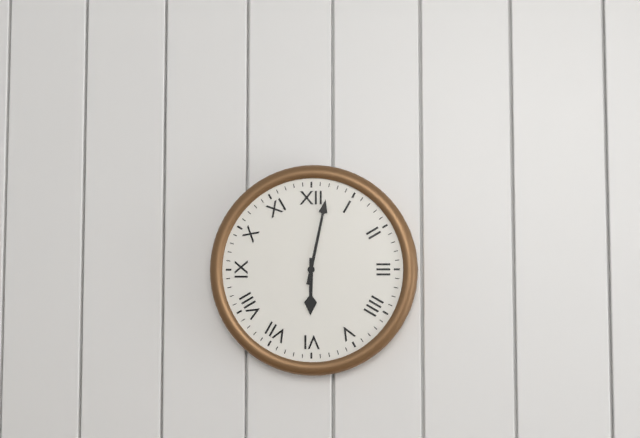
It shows 6:02
